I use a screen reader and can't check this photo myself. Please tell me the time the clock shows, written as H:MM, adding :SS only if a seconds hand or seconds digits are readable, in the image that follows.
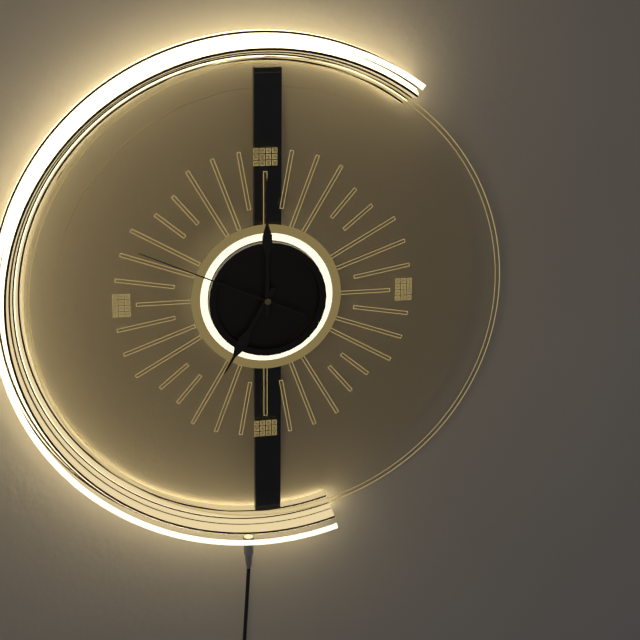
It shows 7:00:49
